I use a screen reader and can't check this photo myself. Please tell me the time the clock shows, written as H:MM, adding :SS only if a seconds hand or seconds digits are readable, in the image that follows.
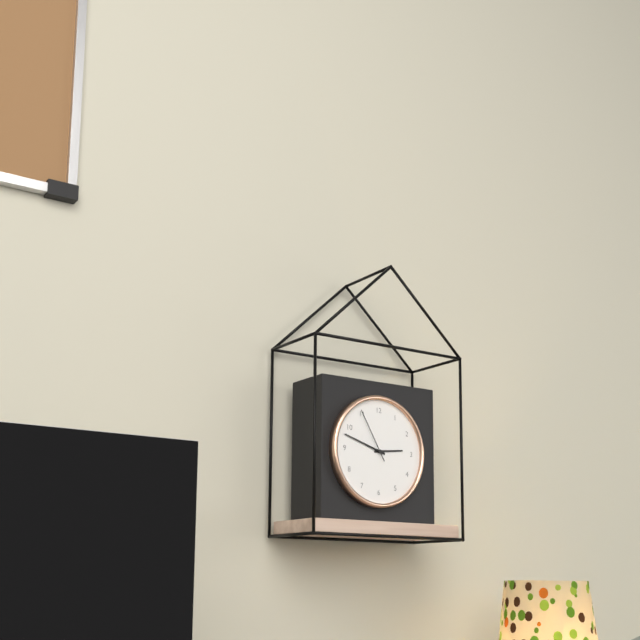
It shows 2:48:55
